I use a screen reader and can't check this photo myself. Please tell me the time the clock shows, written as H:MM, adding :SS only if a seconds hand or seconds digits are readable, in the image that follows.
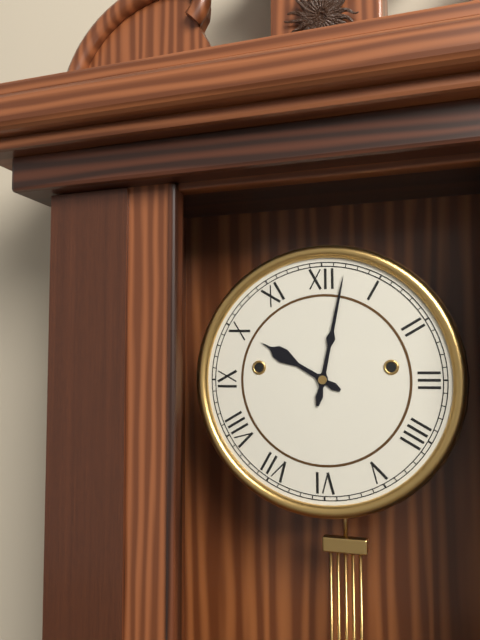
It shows 10:02
